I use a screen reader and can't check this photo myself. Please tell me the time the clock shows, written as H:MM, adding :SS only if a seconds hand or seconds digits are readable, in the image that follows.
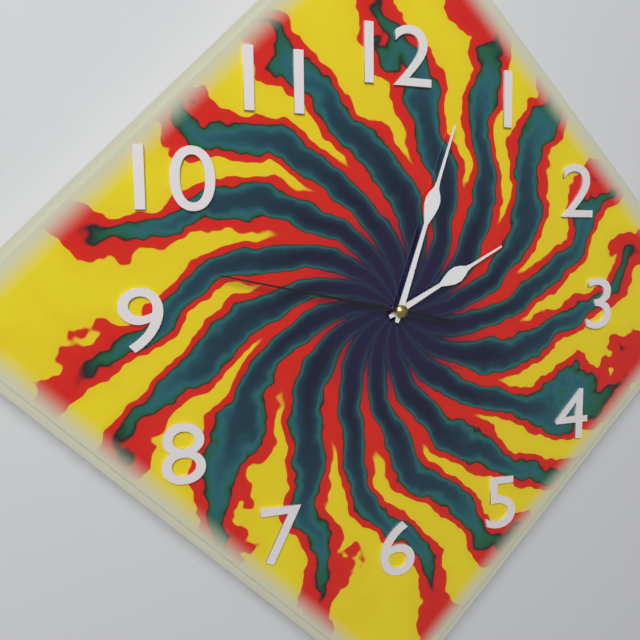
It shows 2:03:47
